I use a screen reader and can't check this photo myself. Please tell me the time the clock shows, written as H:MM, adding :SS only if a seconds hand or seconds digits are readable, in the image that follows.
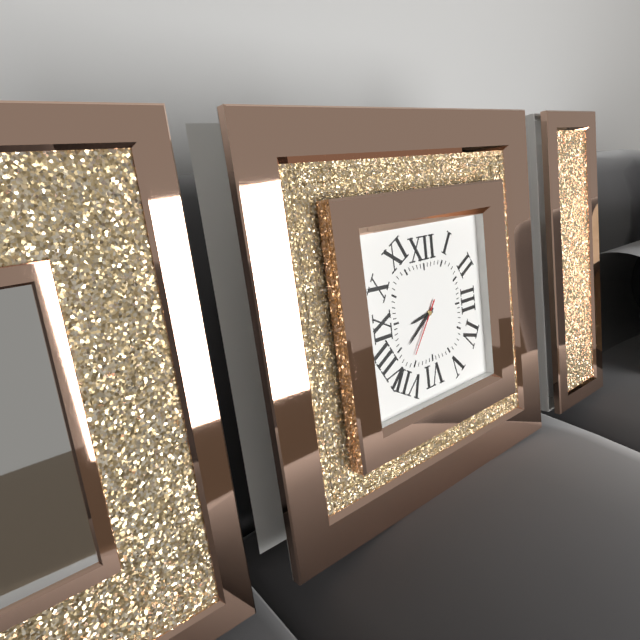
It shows 8:39:36
